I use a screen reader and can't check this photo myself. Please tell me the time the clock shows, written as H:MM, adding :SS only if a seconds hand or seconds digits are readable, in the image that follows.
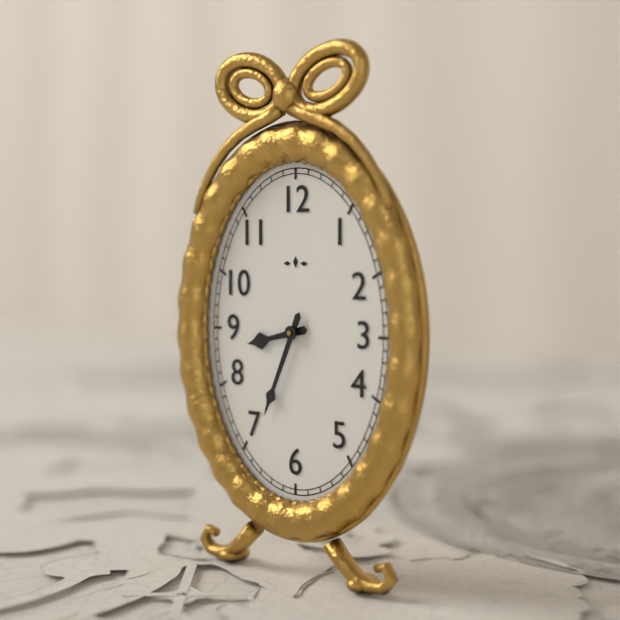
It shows 8:34
